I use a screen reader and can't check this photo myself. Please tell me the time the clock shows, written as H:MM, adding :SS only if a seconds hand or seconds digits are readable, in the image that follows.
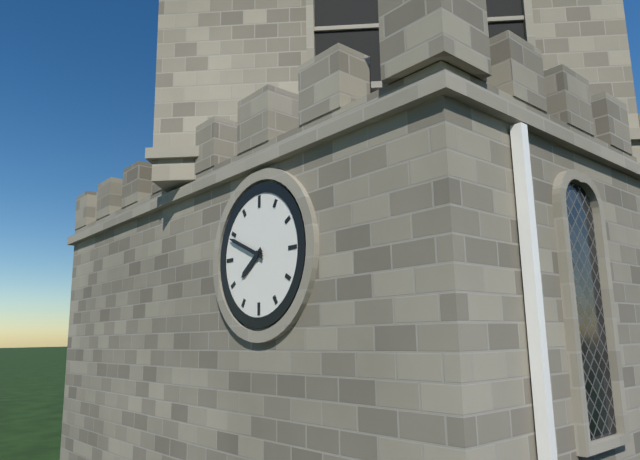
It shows 7:49
